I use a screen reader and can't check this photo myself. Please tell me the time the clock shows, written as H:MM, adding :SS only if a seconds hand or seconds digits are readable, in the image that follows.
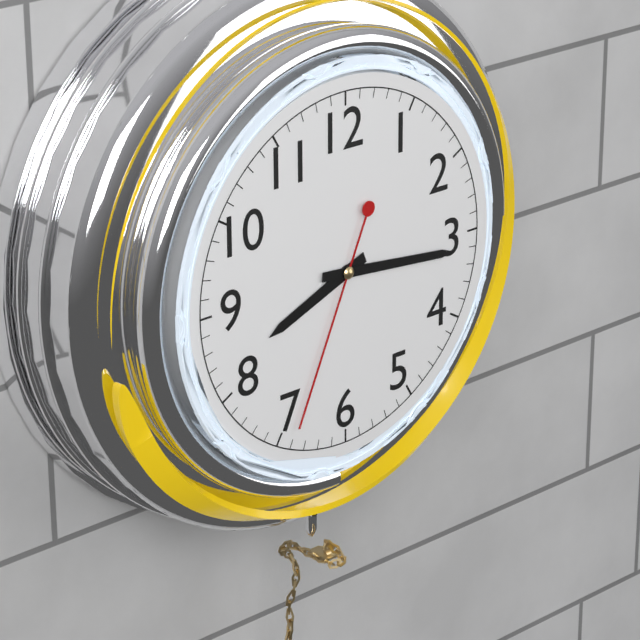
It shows 8:16:34
